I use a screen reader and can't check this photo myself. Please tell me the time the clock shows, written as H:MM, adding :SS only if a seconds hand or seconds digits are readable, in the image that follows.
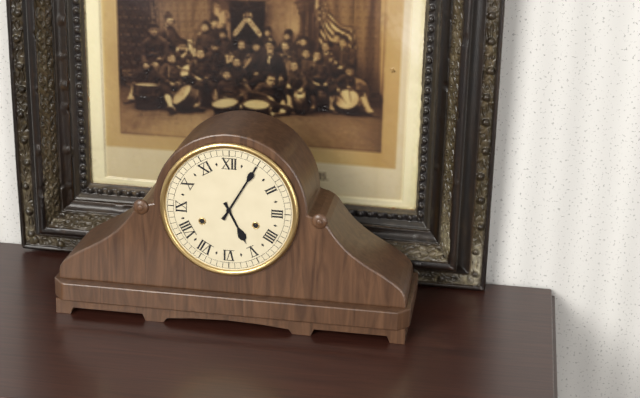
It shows 5:05
